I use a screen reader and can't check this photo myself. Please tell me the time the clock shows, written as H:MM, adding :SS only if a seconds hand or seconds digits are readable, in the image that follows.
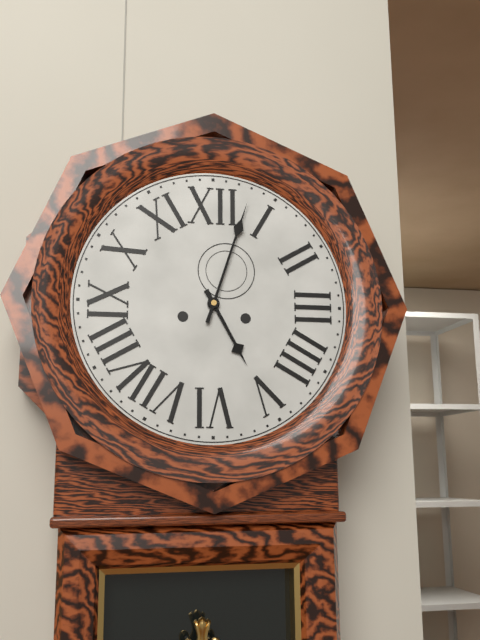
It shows 5:03
